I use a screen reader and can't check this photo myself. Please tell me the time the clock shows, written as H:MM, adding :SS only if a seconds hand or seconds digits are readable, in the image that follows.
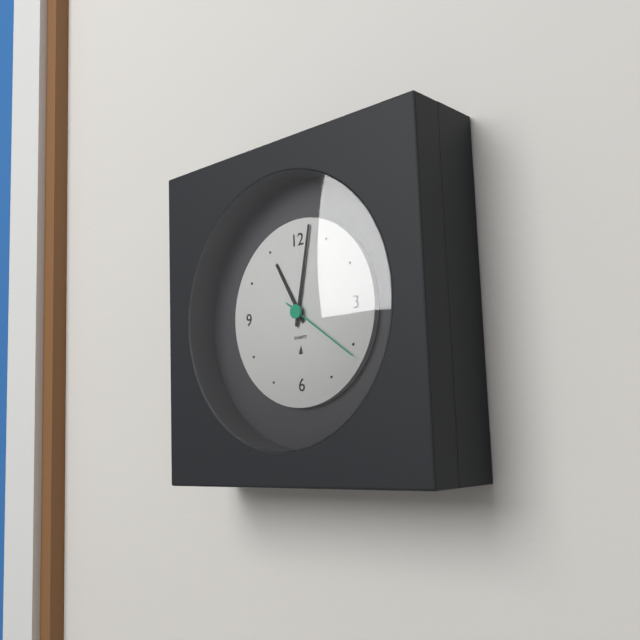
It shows 11:02:21
